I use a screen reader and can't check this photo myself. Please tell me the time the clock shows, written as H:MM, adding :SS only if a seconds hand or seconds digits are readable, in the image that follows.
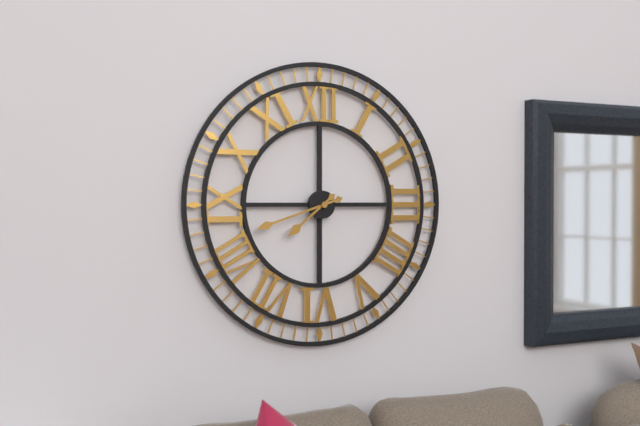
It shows 7:42
